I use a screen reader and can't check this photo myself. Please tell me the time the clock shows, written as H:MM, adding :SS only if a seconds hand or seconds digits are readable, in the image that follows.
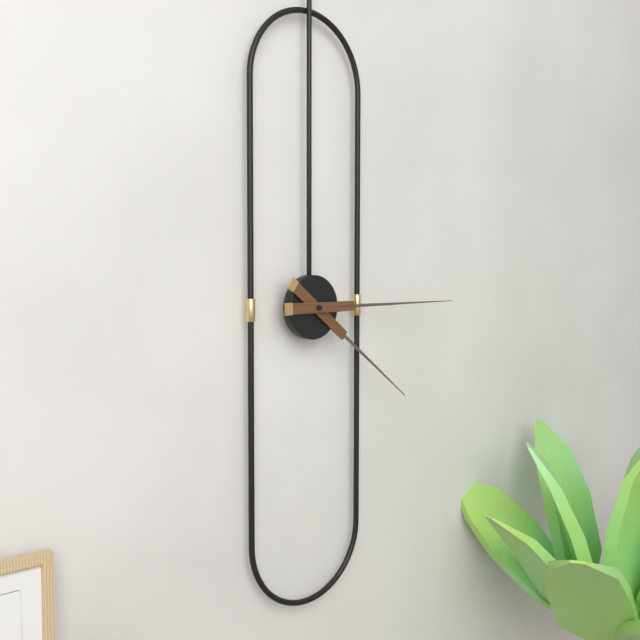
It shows 4:15
